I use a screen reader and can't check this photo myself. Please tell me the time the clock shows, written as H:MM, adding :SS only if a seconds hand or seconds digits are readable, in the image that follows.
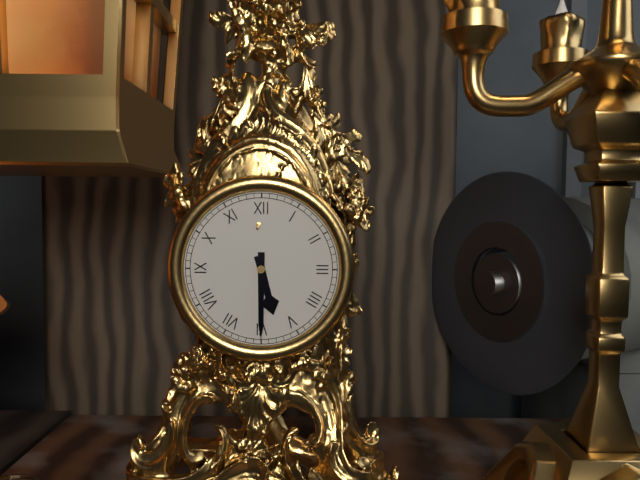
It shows 5:30
